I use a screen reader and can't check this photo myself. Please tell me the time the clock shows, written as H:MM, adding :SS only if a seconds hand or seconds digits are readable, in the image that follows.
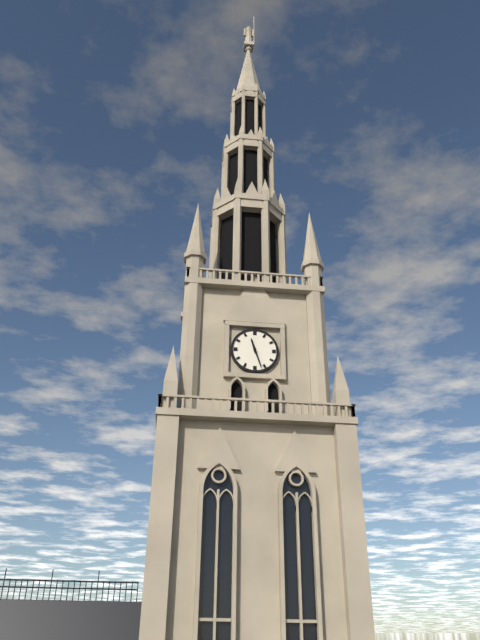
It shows 11:27
